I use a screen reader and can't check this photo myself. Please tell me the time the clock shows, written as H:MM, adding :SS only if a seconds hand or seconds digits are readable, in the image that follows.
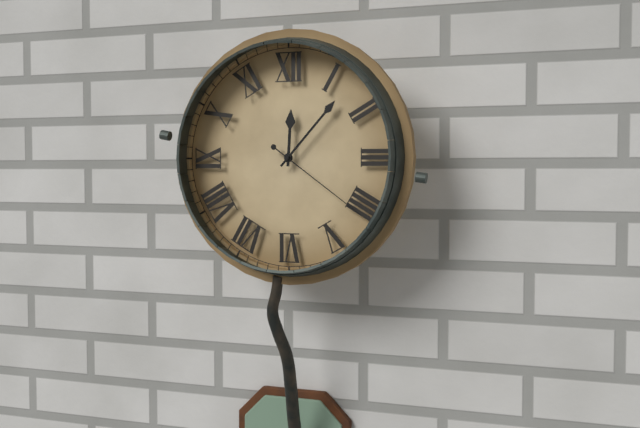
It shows 12:07:21
